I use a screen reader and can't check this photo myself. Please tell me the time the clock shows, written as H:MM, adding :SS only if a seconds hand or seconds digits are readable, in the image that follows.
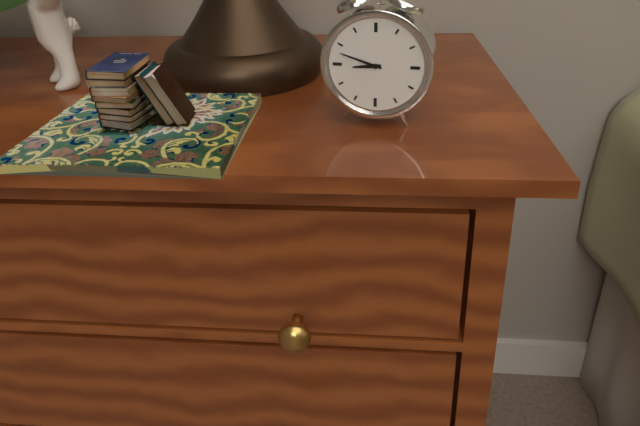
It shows 8:48
